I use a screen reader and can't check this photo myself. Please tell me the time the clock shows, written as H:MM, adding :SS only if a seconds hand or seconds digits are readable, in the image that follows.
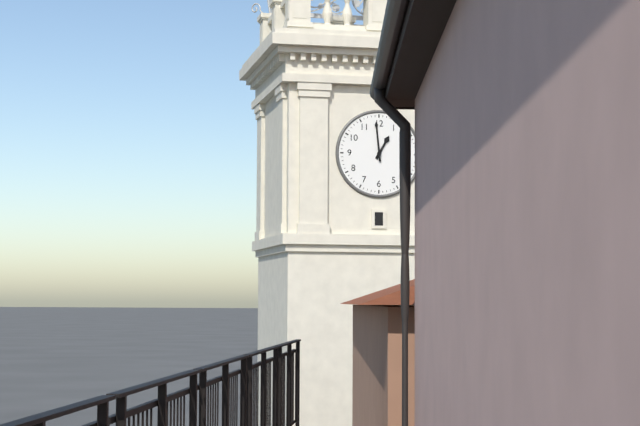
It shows 12:59
